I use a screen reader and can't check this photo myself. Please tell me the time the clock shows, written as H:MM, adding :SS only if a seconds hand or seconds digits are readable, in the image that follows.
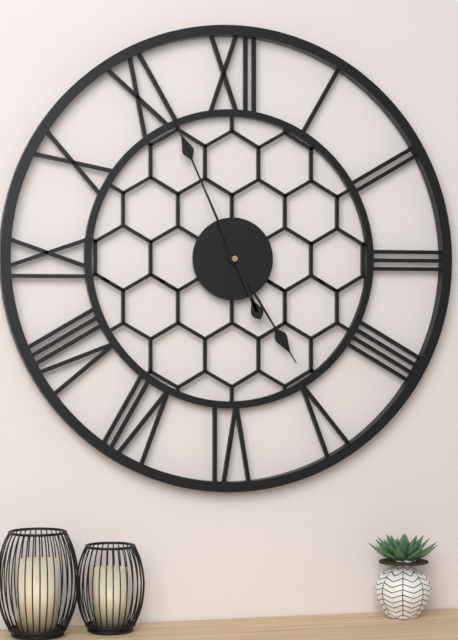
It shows 4:56
